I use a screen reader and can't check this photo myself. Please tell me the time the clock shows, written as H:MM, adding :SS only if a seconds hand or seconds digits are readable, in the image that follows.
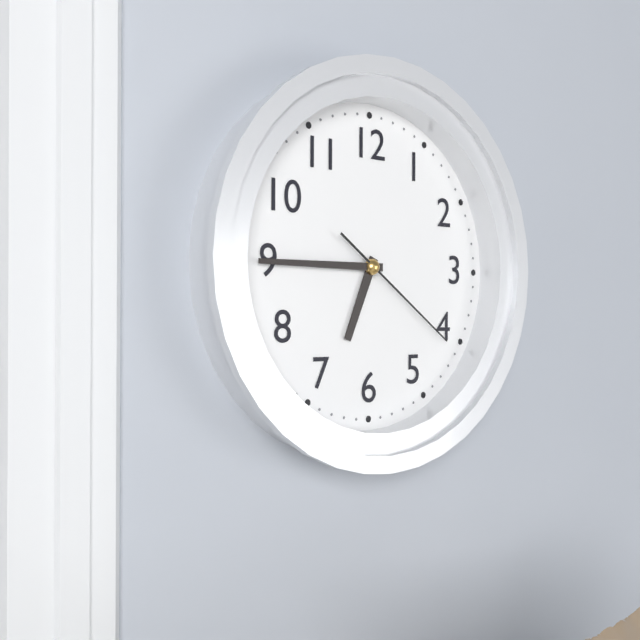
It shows 6:45:21
